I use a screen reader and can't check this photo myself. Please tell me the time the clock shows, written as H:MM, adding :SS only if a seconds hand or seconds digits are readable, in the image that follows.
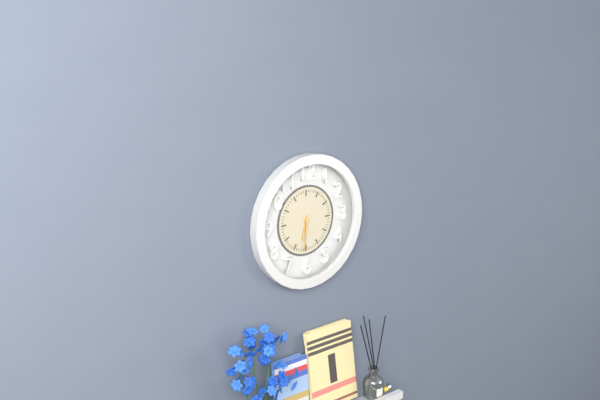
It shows 6:31
